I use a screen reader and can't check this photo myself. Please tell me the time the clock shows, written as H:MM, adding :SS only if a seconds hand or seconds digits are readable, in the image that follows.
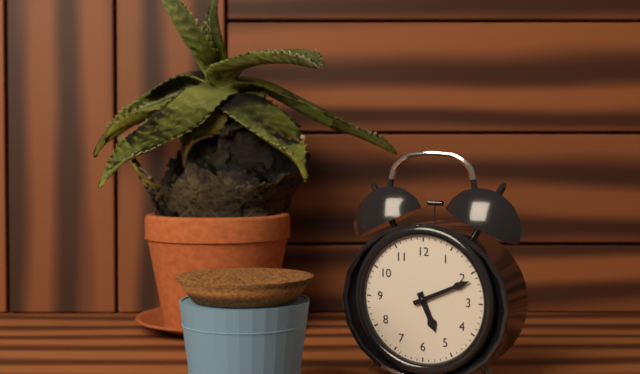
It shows 5:11
